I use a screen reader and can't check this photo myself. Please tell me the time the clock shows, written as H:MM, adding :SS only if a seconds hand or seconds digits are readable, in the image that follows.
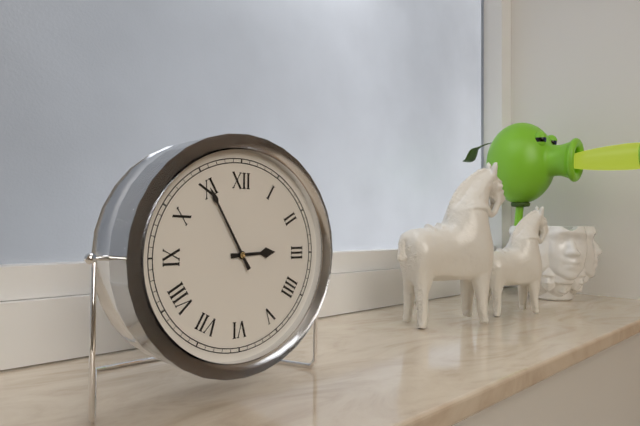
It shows 2:55
